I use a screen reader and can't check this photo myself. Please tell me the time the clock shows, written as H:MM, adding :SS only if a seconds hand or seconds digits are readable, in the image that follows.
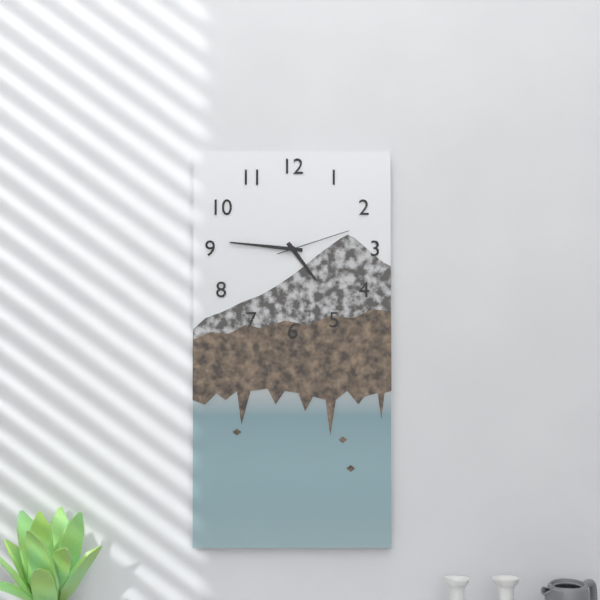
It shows 4:46:12
